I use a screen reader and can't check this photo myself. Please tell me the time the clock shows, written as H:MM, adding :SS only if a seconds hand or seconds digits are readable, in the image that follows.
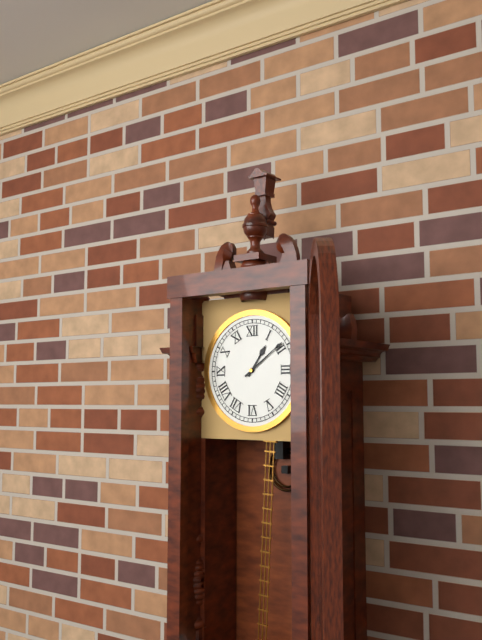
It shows 1:09
